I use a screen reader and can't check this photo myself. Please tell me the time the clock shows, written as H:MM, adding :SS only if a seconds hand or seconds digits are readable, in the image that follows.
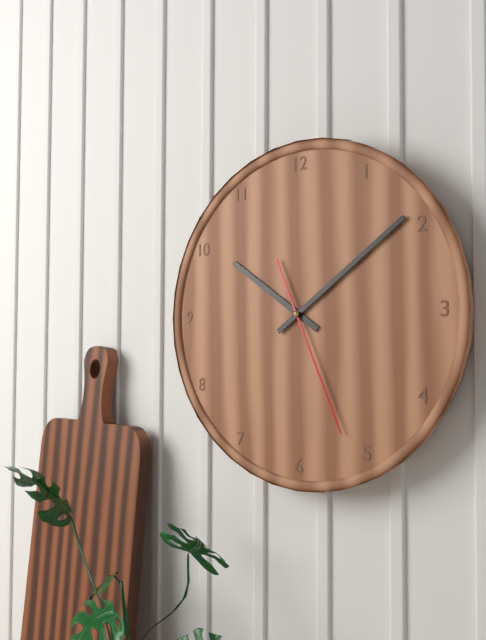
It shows 10:09:26
